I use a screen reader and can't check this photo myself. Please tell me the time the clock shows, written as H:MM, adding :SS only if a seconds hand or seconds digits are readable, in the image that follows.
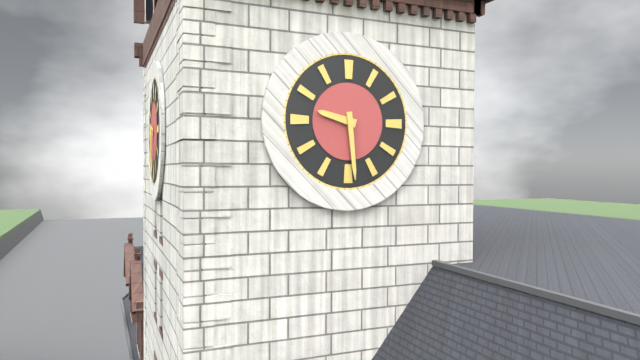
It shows 9:29
